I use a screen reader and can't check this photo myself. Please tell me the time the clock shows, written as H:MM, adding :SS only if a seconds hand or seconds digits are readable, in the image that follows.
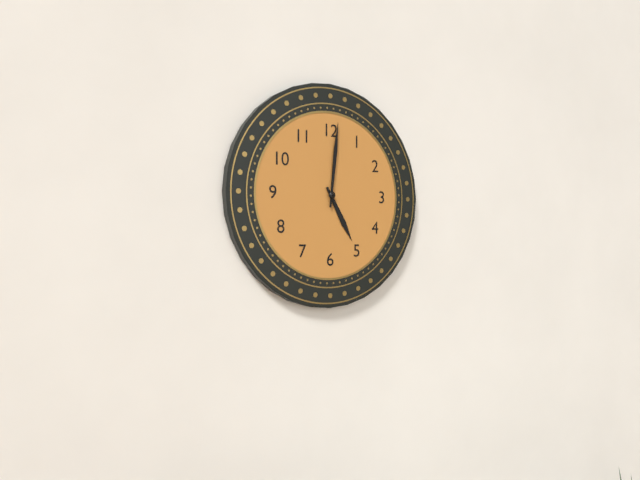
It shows 5:01
